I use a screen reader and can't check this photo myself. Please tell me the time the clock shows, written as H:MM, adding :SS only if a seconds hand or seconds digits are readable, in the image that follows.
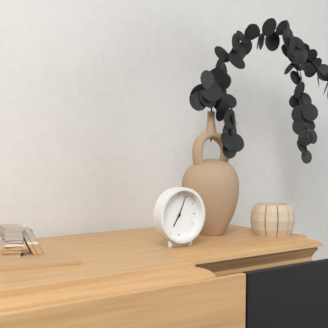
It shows 7:04
